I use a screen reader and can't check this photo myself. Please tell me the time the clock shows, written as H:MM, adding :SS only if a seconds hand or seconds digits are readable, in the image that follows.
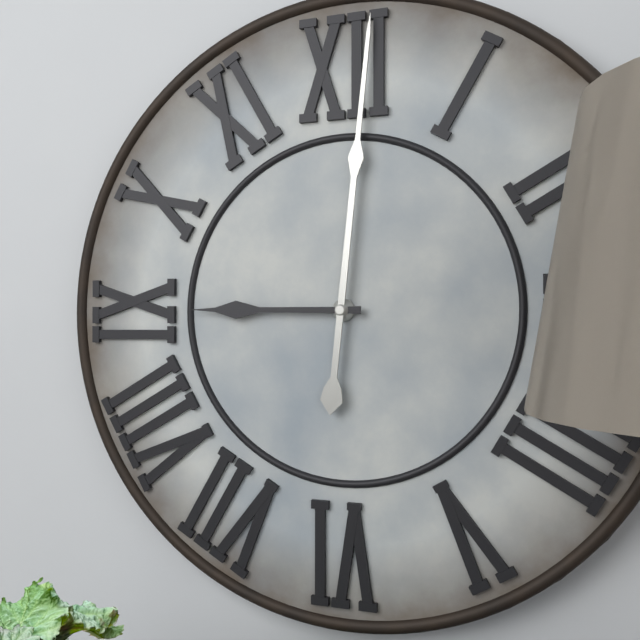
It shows 9:01
